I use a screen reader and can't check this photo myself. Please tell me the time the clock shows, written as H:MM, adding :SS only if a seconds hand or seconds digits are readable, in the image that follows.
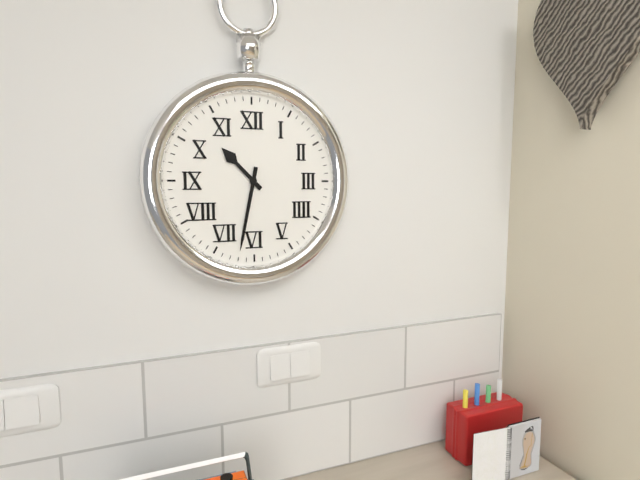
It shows 10:32
